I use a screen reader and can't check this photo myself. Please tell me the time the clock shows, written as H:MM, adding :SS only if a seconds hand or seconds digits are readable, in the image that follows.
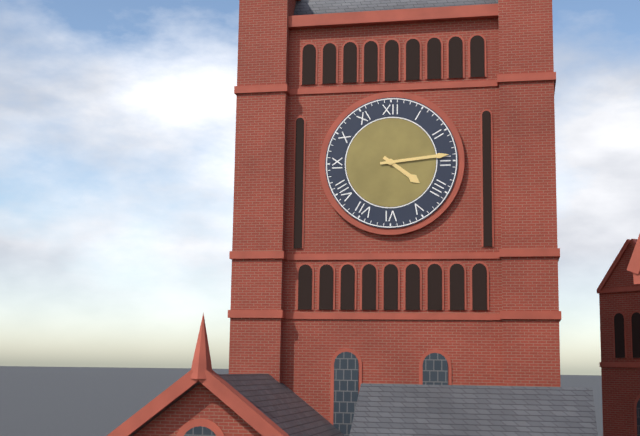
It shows 4:14
